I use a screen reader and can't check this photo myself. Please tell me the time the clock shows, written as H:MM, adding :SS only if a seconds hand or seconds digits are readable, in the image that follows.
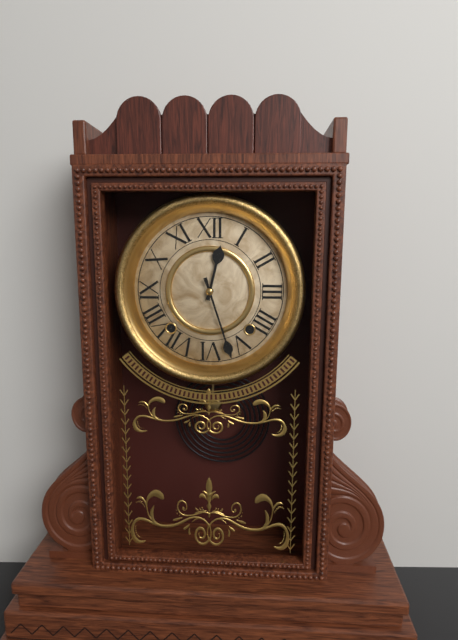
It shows 12:27
